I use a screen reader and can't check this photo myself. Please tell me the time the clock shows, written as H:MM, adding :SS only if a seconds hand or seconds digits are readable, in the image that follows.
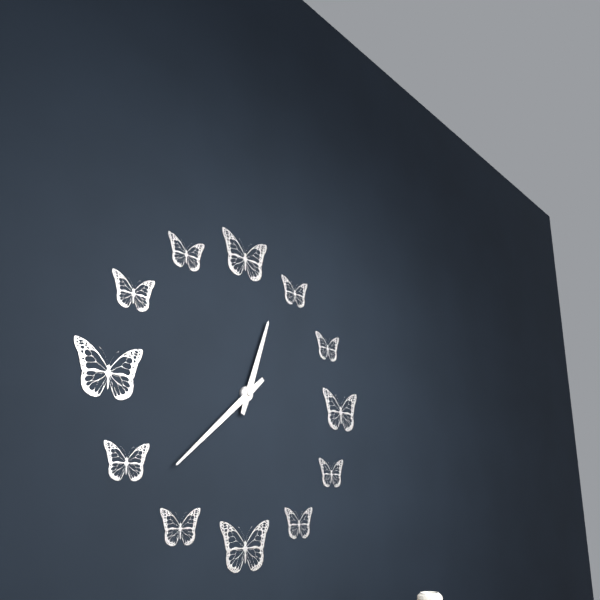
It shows 12:38
